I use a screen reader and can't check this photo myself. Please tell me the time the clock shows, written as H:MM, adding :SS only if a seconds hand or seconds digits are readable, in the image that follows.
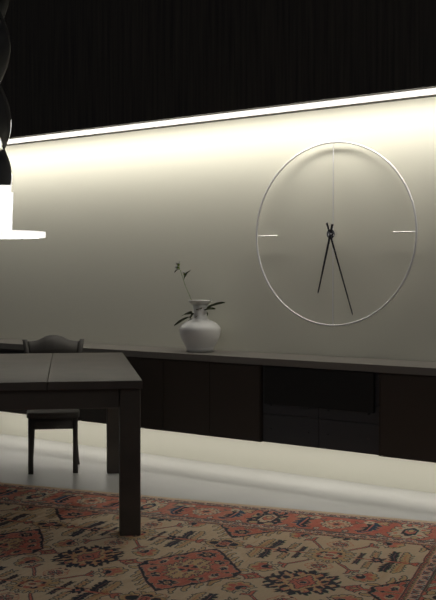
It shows 6:27
